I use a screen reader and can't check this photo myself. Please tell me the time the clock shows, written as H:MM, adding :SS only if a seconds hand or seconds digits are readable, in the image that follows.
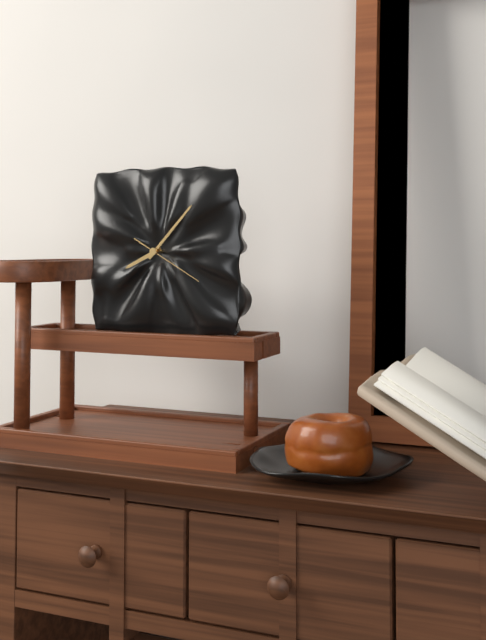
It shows 8:07:20
